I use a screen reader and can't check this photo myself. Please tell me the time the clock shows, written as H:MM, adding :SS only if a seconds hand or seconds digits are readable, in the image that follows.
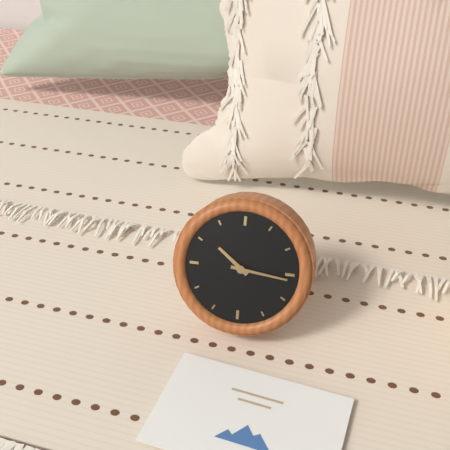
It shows 10:16
